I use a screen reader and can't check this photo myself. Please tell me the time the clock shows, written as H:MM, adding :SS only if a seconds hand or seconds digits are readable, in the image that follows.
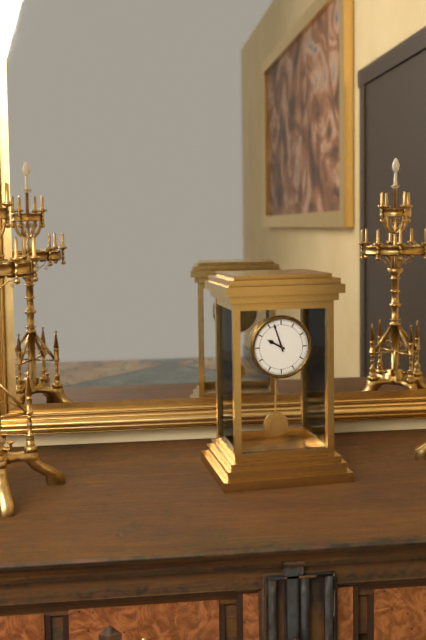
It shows 9:57
